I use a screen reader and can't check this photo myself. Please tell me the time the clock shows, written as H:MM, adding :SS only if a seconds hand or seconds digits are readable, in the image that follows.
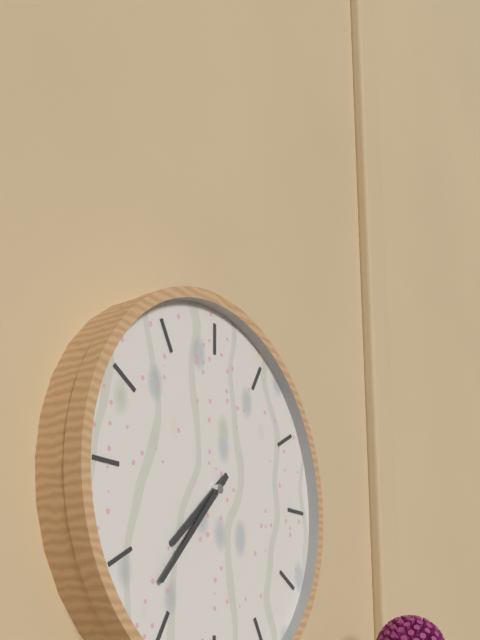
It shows 7:37
